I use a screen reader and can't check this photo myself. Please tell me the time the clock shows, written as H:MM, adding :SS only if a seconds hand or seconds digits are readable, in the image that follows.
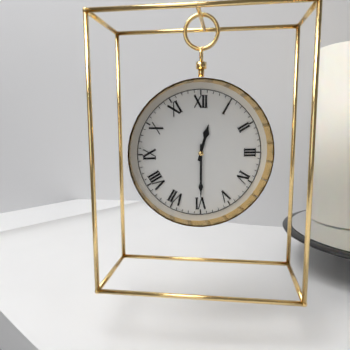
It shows 12:30
